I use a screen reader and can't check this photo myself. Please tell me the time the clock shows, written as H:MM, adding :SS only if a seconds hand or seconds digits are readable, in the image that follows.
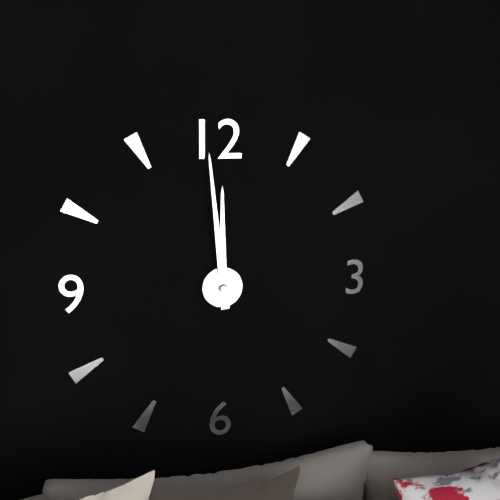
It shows 11:59
